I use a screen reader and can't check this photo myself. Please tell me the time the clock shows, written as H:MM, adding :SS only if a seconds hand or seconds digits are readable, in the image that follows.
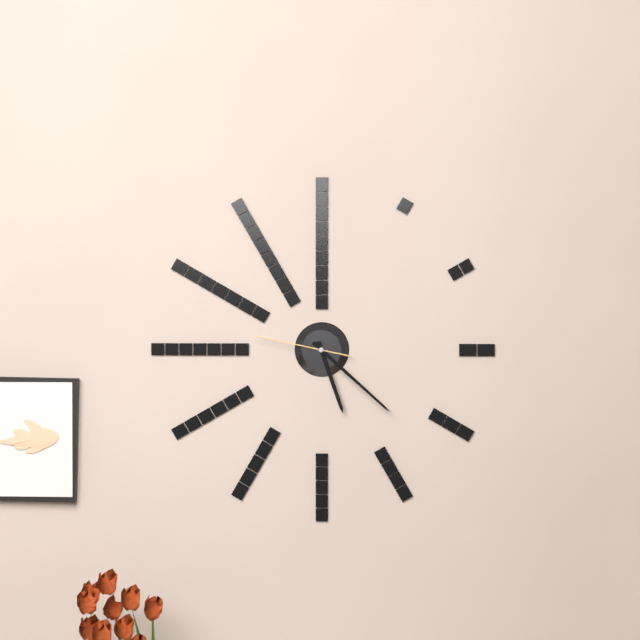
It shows 5:22:47
